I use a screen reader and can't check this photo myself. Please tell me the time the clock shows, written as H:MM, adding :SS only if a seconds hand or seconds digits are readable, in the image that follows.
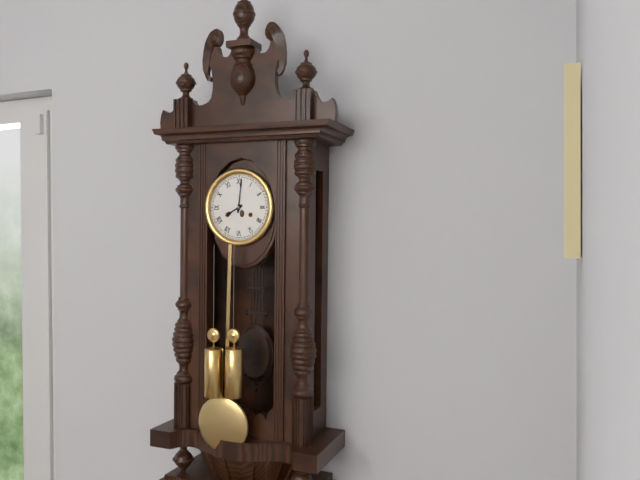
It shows 8:01
